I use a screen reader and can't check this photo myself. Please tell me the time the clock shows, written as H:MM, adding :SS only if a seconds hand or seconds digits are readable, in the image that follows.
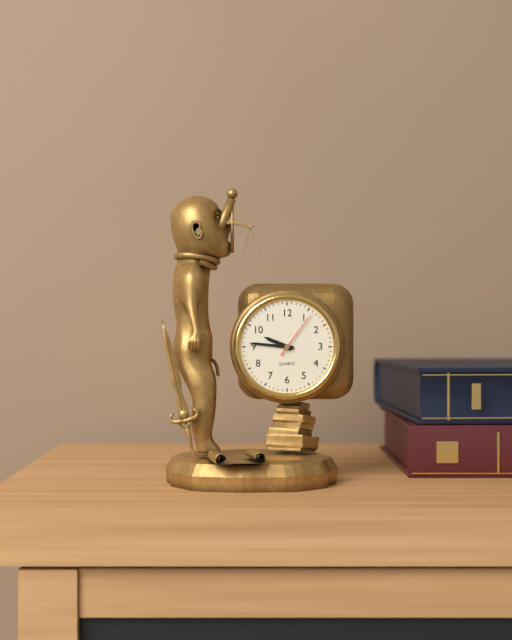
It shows 9:46:06
